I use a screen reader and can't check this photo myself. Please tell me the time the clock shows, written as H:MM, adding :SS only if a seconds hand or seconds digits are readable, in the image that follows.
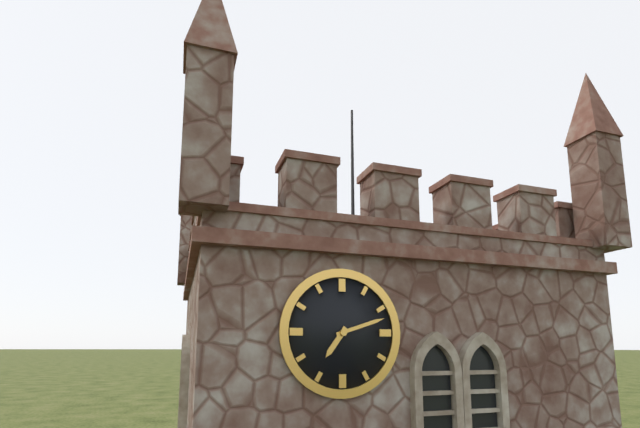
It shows 7:12
